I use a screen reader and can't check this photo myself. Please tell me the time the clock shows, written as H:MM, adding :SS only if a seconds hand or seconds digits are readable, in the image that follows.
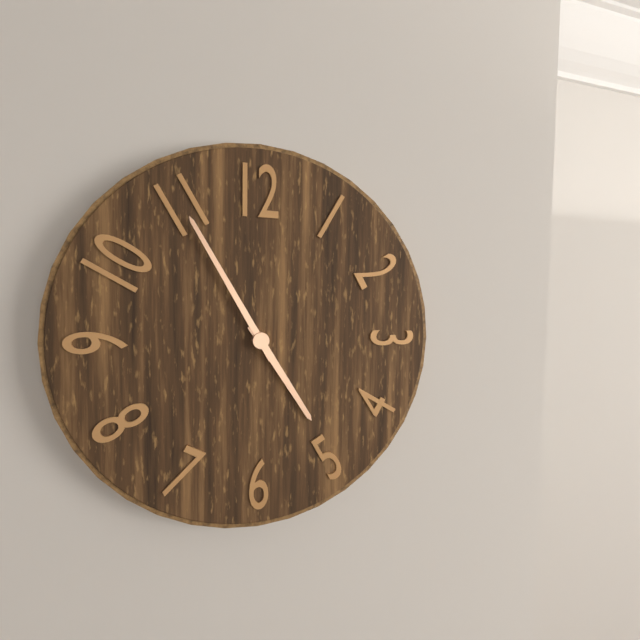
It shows 4:55
